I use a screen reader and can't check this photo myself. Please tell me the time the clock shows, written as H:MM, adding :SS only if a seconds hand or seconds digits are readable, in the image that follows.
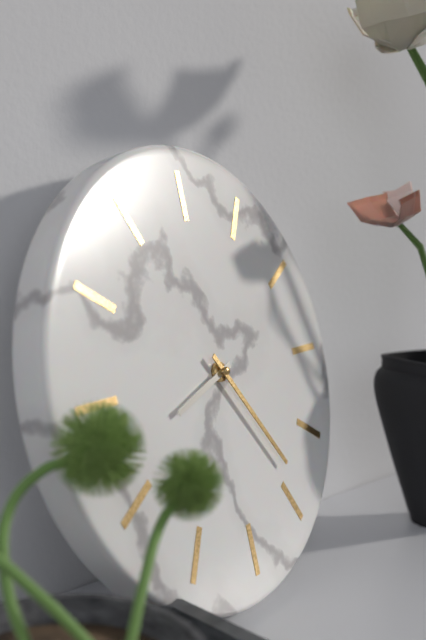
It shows 8:24
